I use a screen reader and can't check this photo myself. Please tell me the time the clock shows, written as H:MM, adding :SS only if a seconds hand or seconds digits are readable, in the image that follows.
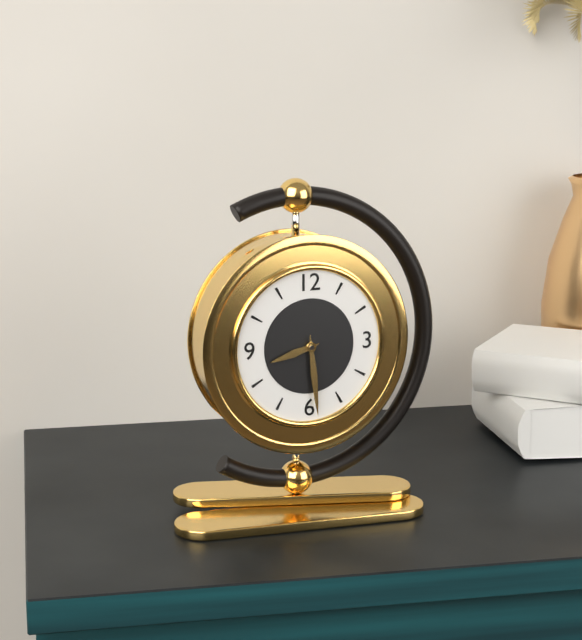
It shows 8:29
